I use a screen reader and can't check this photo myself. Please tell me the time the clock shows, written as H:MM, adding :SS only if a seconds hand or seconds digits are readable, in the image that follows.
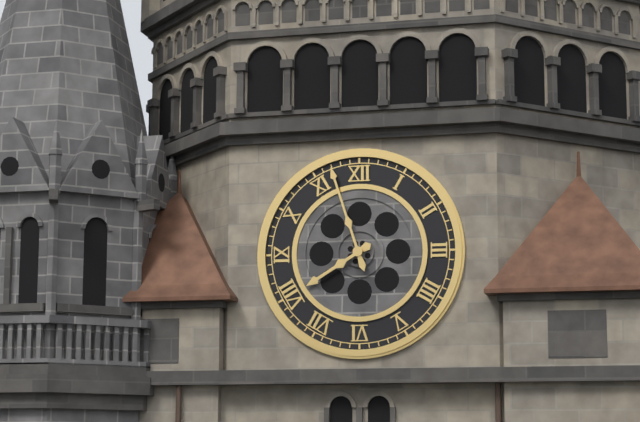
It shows 7:57
